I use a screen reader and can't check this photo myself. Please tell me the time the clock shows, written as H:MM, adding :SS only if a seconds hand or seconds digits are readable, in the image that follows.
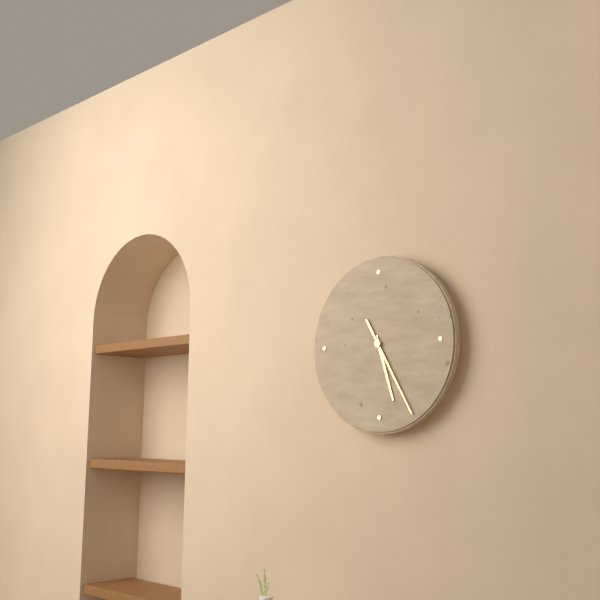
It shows 5:25
